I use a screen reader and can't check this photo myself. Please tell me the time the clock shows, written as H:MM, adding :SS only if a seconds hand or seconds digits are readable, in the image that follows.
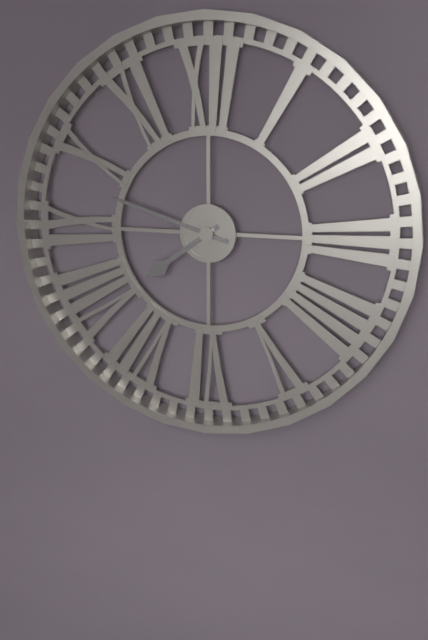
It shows 7:48
